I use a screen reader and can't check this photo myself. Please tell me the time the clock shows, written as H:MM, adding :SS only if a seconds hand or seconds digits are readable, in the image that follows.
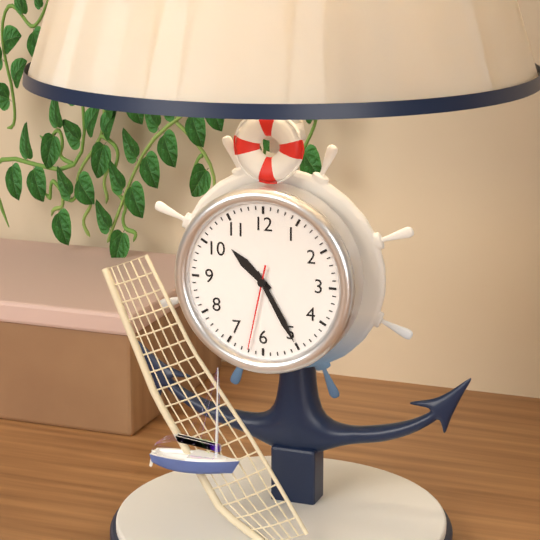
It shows 10:25:32
